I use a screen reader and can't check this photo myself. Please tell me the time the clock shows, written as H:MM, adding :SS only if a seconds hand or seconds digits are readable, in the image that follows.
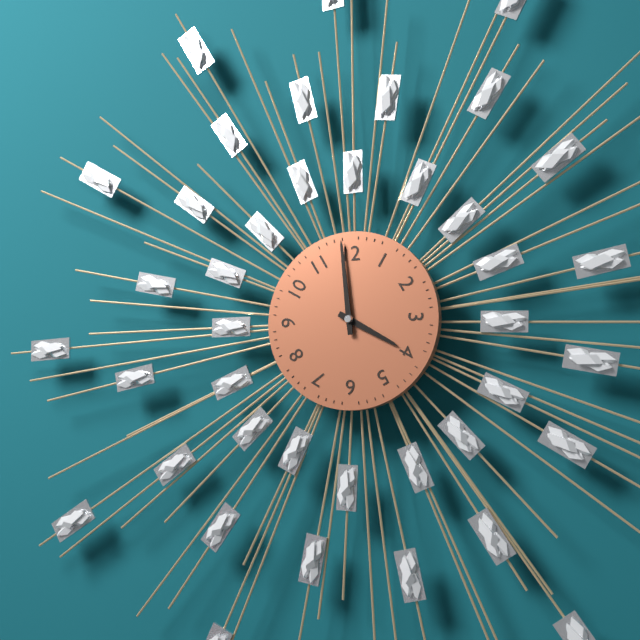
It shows 3:59
